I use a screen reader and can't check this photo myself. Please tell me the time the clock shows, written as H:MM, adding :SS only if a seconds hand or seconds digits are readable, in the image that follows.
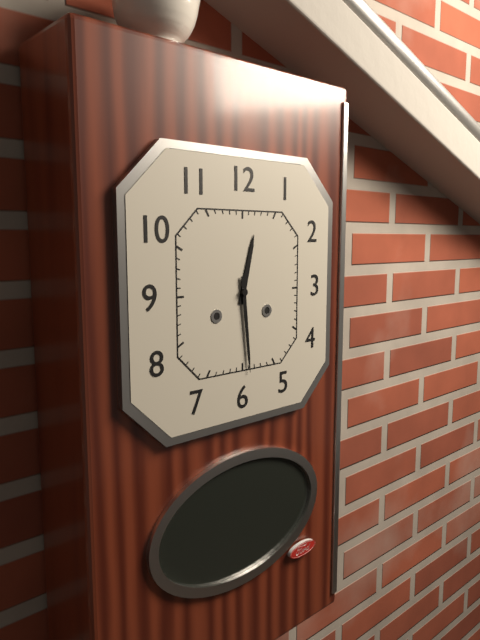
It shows 12:29
